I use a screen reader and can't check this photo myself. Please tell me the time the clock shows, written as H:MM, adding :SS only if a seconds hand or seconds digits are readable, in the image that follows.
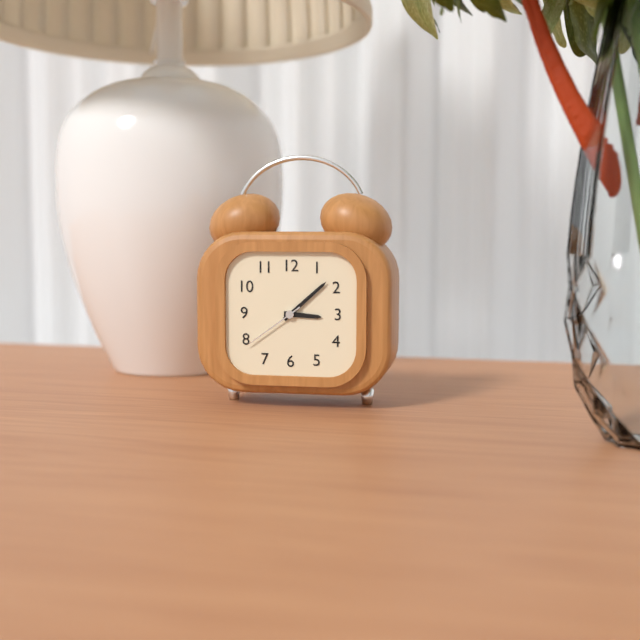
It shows 3:08:39
